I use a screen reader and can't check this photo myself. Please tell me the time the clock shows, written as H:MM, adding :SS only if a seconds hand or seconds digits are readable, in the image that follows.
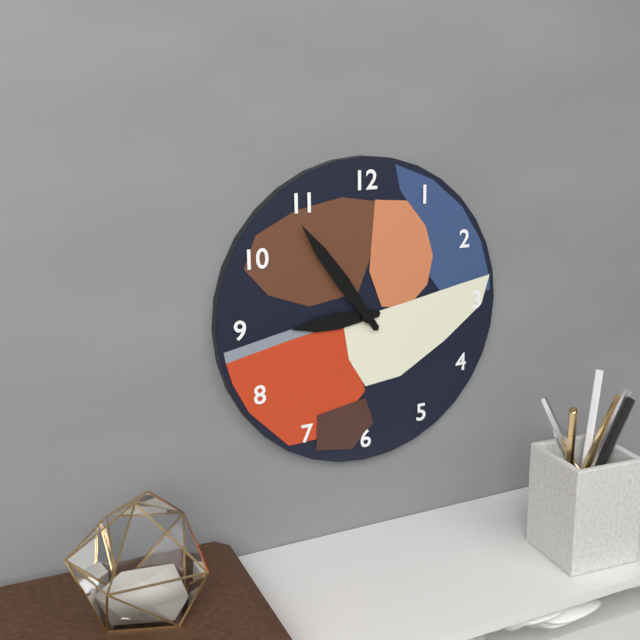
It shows 8:54
